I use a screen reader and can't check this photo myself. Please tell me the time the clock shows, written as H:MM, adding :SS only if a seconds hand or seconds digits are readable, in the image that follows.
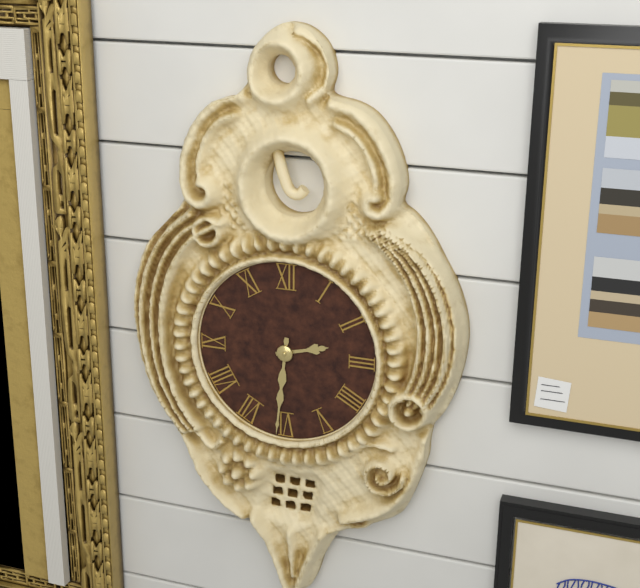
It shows 2:31
